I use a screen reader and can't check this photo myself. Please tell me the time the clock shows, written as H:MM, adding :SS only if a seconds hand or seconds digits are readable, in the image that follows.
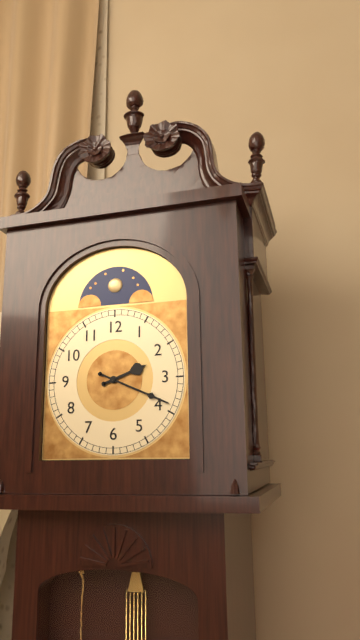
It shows 2:19
